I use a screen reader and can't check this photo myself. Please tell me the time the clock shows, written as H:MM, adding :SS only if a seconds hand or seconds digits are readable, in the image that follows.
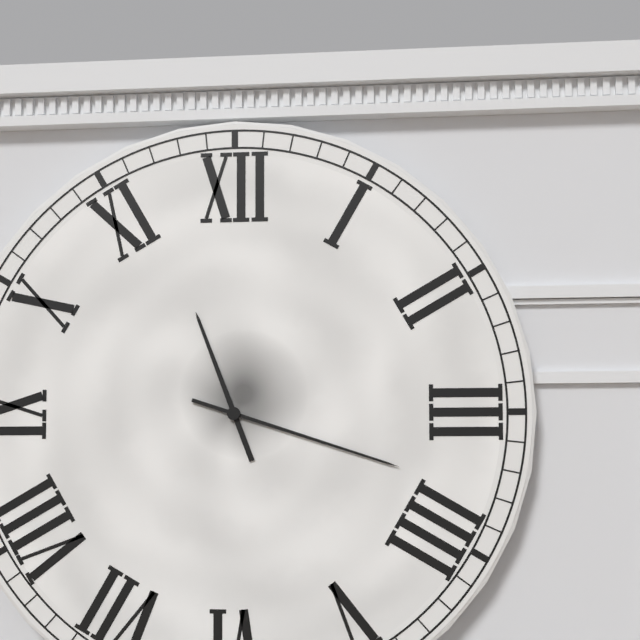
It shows 11:18
